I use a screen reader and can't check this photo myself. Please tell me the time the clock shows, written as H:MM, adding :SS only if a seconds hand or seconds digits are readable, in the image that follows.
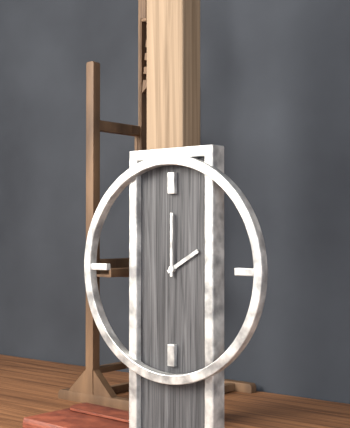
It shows 2:00
